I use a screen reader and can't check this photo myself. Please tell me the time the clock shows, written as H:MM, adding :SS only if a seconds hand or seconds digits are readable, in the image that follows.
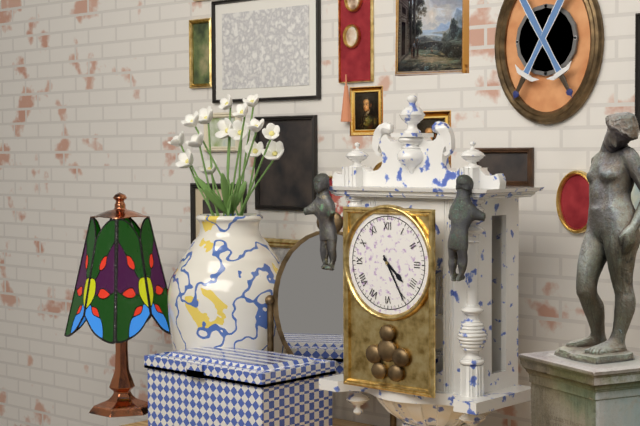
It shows 4:25
